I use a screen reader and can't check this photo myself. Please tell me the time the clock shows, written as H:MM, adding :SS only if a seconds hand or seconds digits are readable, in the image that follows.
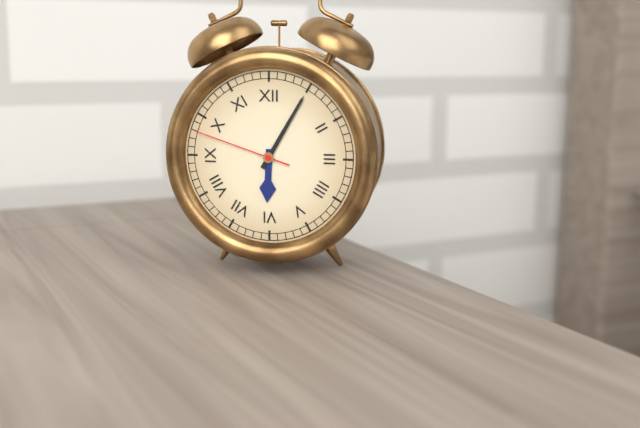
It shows 6:05:48
